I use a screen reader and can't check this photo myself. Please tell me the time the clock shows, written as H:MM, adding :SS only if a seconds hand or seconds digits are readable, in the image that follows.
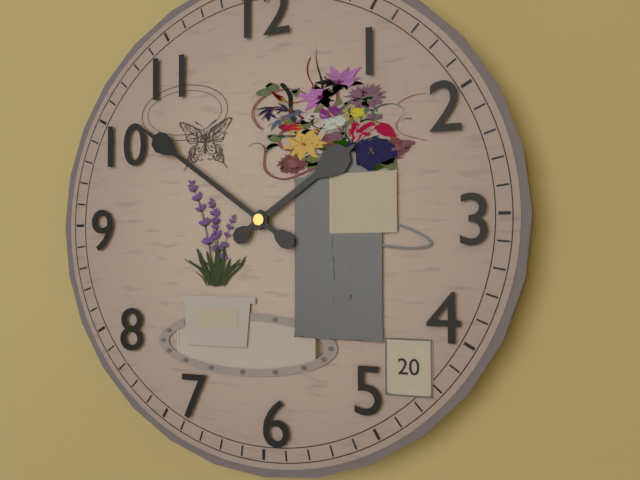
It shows 1:51
